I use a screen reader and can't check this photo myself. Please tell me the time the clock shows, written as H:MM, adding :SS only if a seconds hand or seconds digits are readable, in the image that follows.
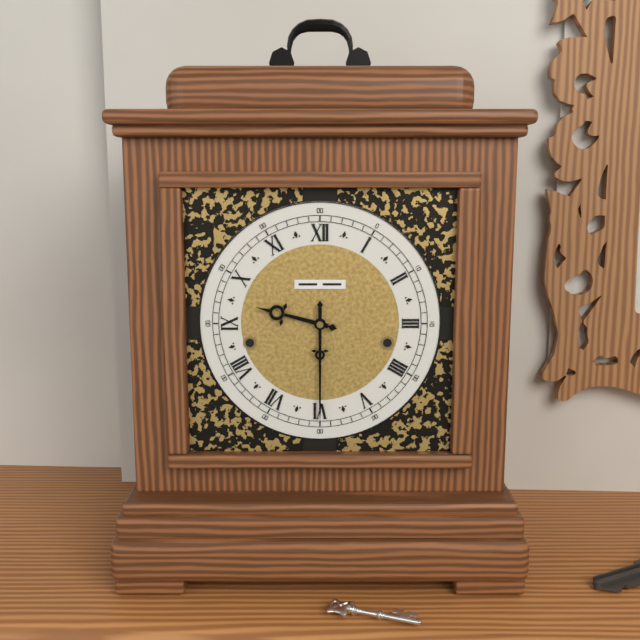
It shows 9:30
